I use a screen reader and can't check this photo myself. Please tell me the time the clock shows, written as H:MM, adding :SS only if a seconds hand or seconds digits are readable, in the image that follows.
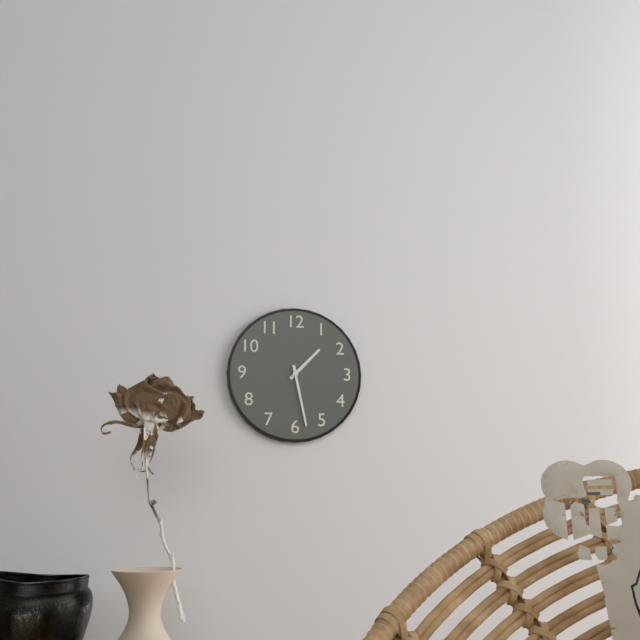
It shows 1:28
